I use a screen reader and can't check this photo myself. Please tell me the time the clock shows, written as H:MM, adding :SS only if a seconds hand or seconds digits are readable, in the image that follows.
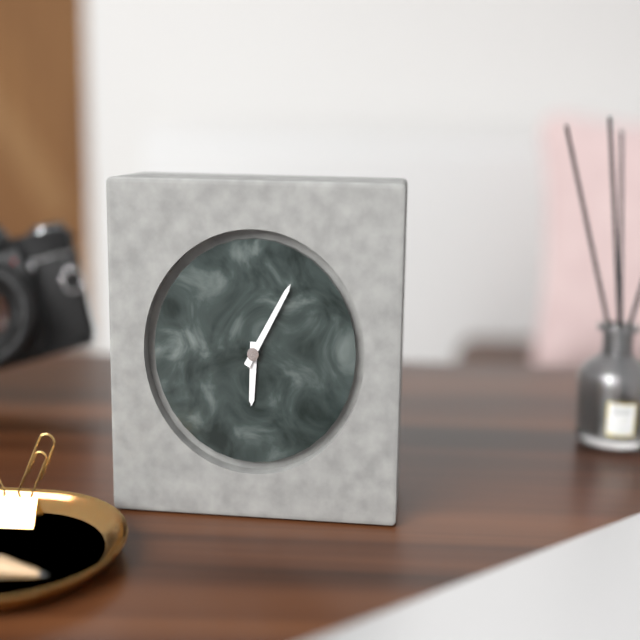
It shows 6:05
